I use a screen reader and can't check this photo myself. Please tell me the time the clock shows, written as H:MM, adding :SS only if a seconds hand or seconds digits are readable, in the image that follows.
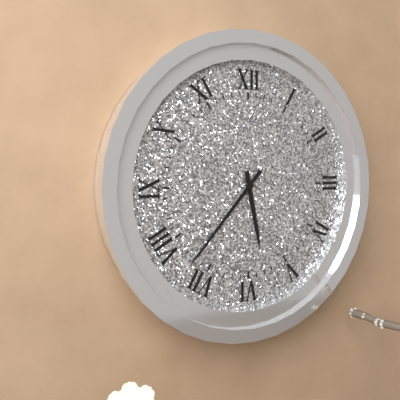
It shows 5:37
